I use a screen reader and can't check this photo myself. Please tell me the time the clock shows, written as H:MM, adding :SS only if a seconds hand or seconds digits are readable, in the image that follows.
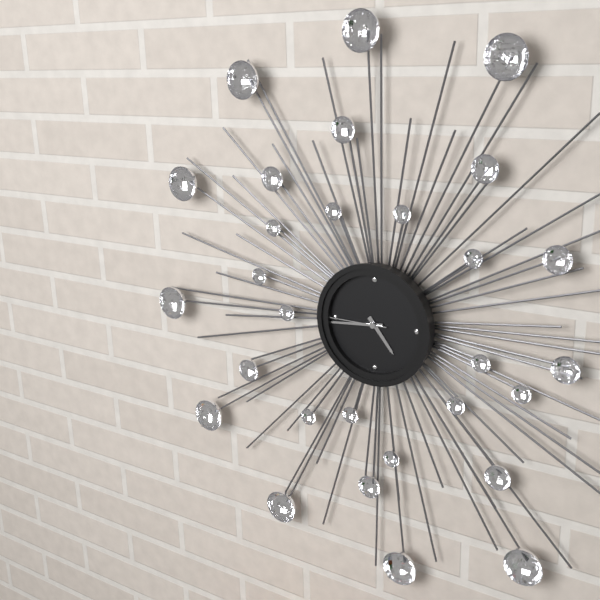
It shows 4:44:45
